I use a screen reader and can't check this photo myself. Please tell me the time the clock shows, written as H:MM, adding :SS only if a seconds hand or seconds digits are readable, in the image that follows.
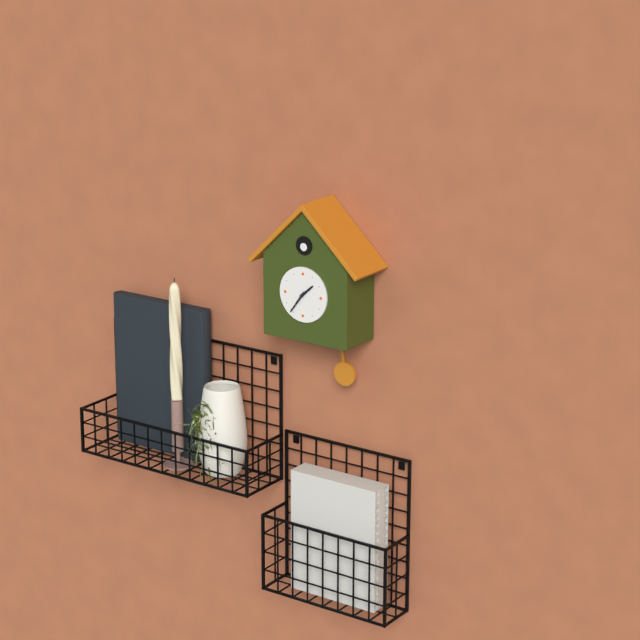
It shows 1:36
